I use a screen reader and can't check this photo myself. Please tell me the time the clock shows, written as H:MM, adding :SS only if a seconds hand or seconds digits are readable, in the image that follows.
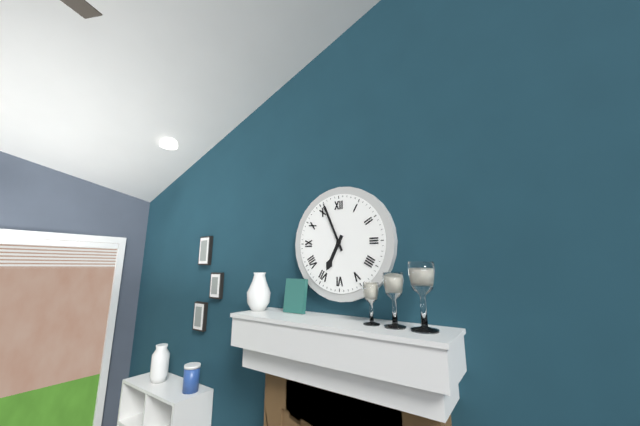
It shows 6:56
